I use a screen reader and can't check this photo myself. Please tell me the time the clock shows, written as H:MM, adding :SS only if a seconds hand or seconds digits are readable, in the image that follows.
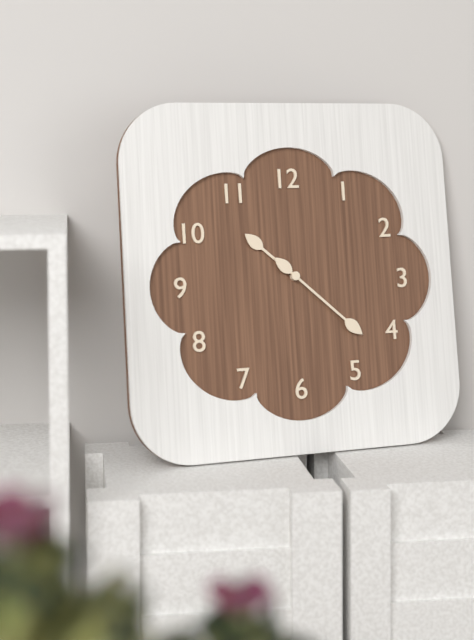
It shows 10:22
